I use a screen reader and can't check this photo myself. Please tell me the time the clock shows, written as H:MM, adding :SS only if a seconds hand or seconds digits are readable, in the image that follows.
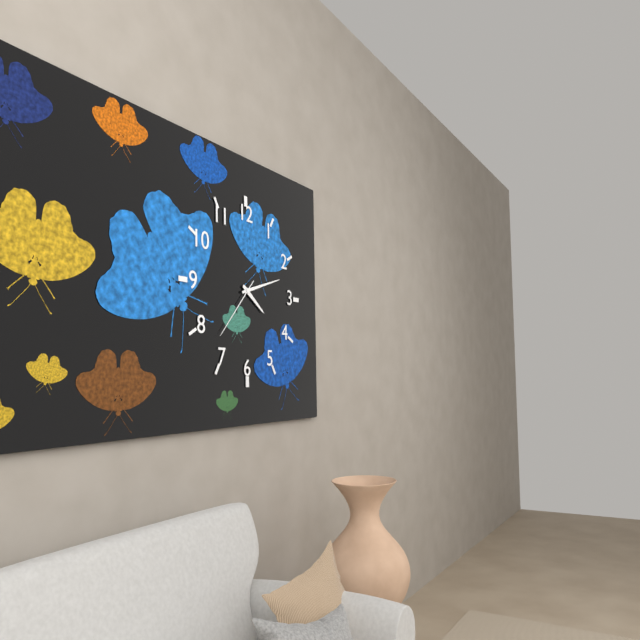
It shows 4:12:37
